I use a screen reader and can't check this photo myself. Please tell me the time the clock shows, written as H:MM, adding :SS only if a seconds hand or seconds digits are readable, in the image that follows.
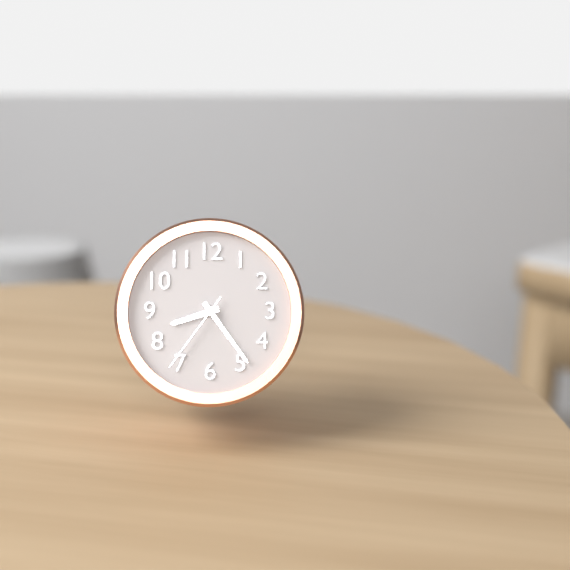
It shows 8:24:36
